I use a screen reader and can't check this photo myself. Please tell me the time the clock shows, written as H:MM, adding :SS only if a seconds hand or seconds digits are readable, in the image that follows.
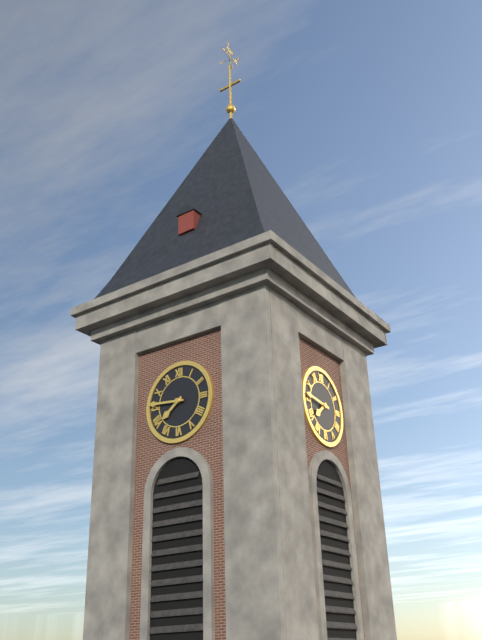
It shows 7:46
